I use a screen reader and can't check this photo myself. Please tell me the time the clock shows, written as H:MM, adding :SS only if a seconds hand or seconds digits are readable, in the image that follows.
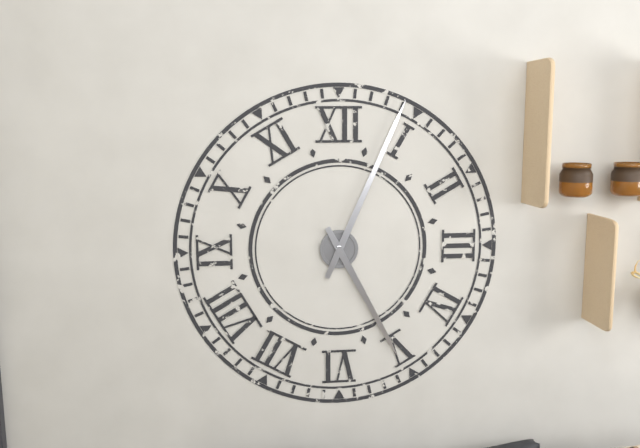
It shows 5:04
